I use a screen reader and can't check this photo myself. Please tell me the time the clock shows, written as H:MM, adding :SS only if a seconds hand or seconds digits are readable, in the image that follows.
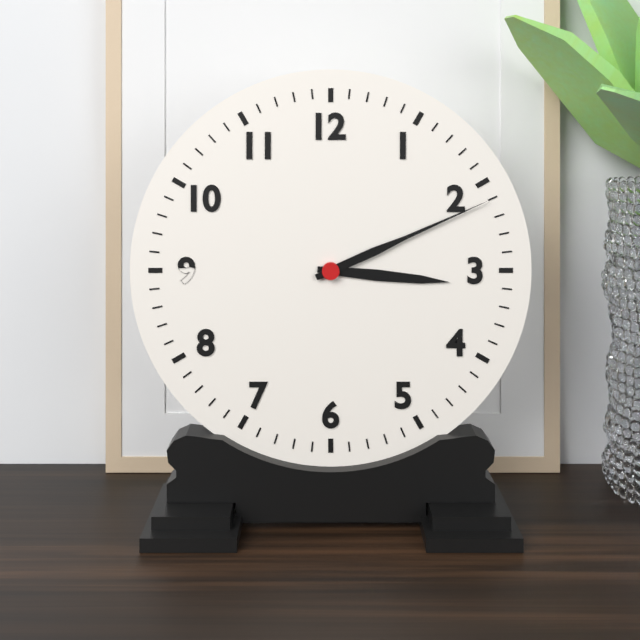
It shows 3:11
